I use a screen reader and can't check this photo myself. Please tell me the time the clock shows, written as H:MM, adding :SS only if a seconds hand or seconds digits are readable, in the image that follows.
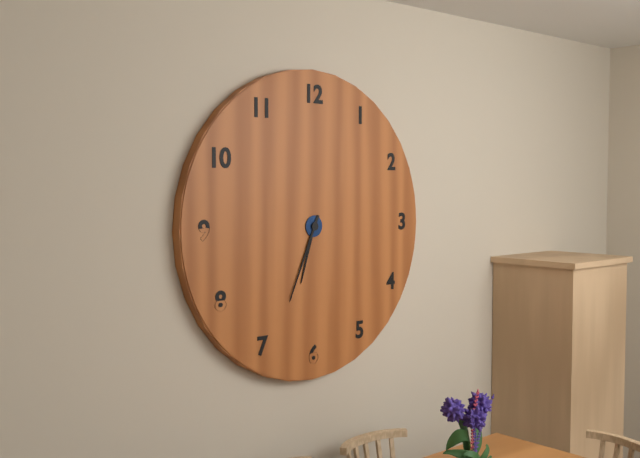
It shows 6:34
